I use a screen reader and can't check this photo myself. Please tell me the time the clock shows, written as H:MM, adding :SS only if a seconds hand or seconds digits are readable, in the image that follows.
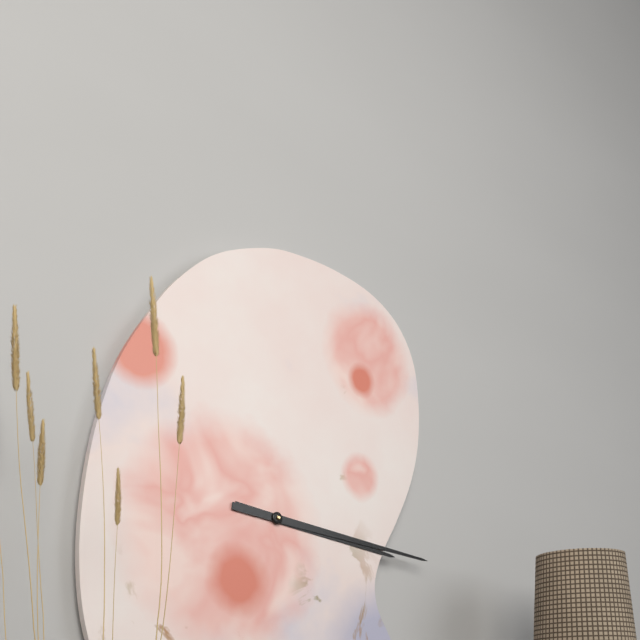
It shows 3:16
